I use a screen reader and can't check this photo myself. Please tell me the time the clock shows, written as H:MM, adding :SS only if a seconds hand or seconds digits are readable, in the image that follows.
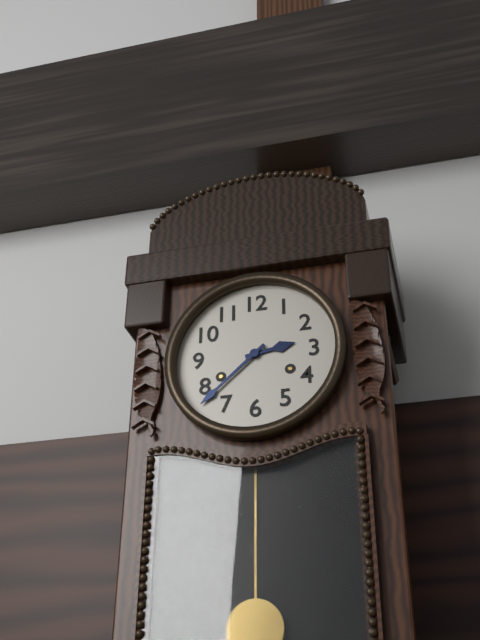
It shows 2:38
